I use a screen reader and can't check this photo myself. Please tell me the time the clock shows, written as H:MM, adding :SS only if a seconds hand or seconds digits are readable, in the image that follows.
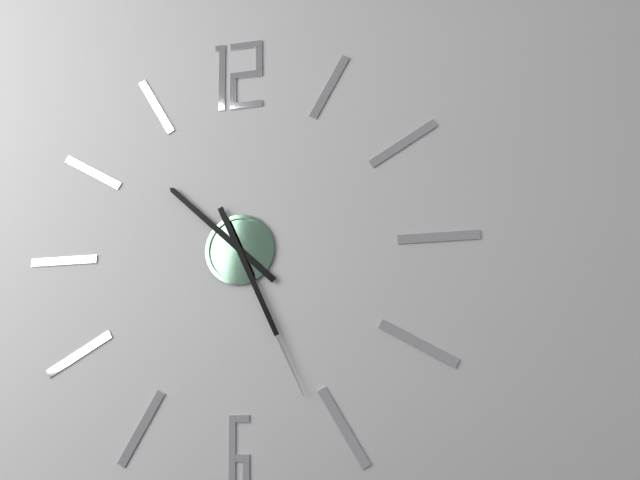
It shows 10:26
